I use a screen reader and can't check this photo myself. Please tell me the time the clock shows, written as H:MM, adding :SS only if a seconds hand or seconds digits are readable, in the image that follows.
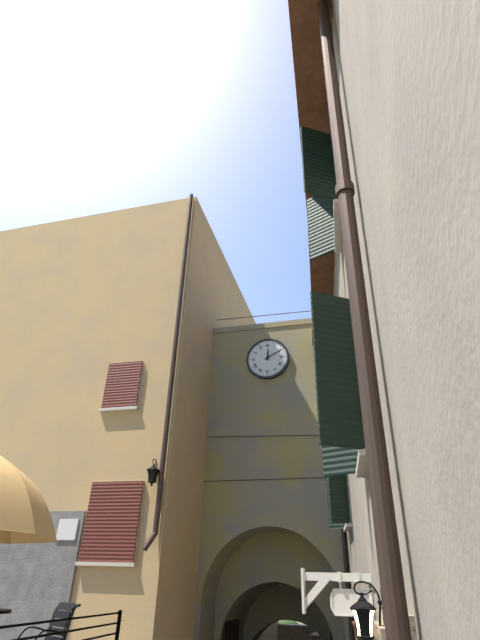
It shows 12:10
